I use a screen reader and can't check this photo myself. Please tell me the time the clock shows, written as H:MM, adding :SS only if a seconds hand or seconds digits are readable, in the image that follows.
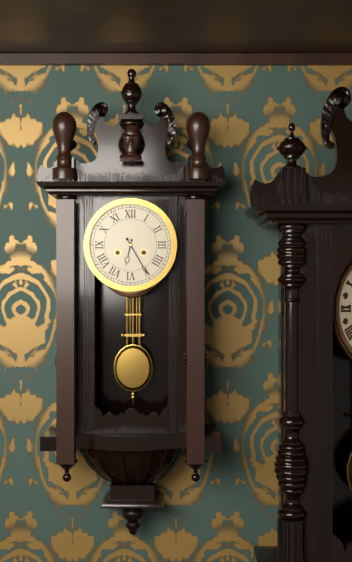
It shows 6:25
